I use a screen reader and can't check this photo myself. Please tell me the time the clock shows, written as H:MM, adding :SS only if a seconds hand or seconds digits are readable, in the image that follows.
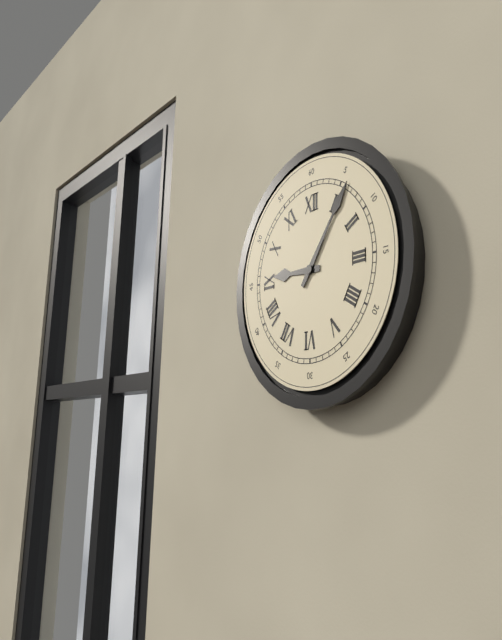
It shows 9:06
